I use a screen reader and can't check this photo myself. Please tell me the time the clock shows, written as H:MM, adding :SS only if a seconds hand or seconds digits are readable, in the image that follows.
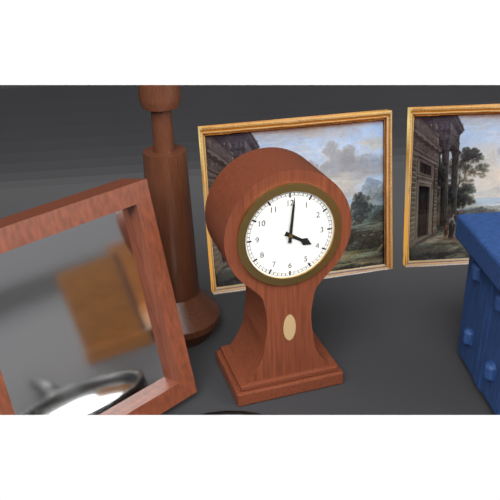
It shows 4:01
